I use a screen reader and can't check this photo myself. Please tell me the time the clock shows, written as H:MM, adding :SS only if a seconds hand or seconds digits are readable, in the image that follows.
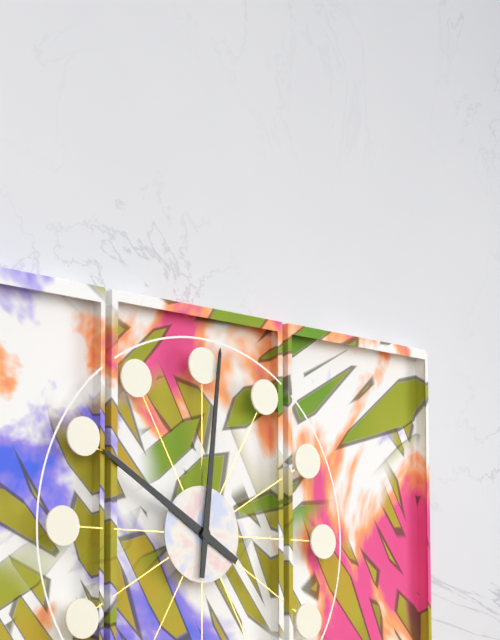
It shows 10:01
